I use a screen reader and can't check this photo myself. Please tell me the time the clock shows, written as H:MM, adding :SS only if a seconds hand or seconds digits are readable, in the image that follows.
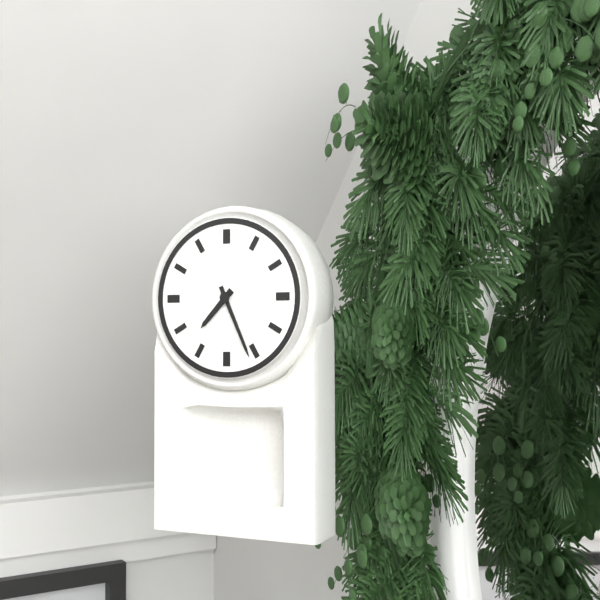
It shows 7:26
